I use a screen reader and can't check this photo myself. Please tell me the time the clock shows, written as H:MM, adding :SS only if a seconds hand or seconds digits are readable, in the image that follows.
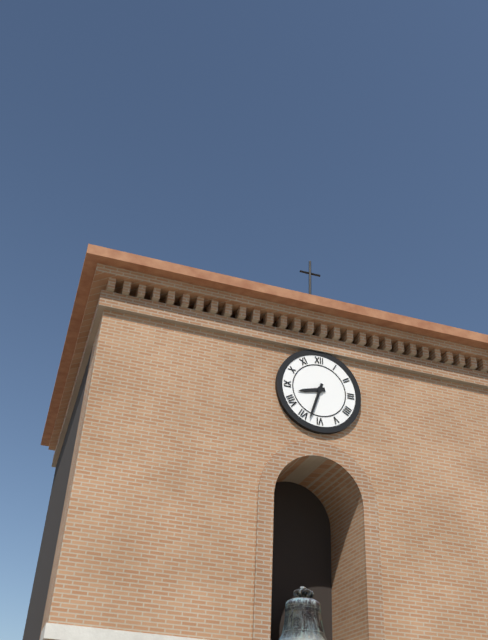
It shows 8:33
